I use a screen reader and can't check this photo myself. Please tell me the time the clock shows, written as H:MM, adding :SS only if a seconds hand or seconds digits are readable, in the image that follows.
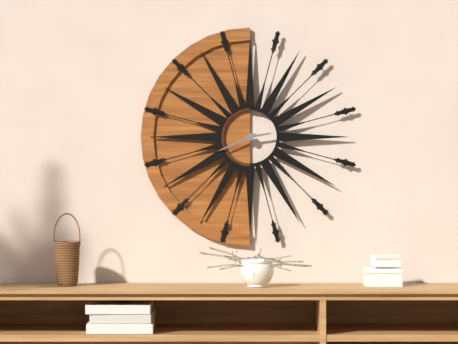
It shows 2:41
